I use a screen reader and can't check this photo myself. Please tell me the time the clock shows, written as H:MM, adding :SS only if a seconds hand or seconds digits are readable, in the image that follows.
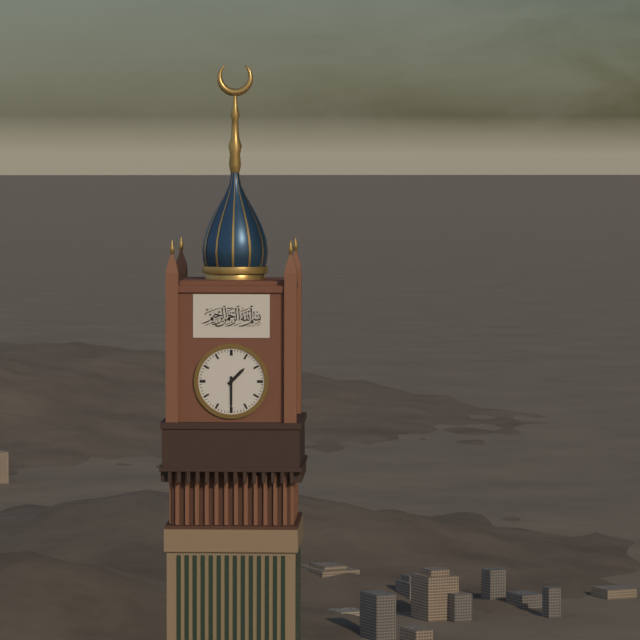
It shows 1:30
